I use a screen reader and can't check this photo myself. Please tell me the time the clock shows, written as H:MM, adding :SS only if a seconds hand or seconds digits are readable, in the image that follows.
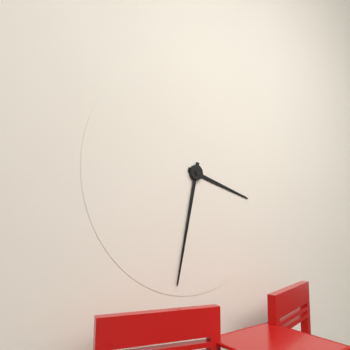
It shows 3:32
